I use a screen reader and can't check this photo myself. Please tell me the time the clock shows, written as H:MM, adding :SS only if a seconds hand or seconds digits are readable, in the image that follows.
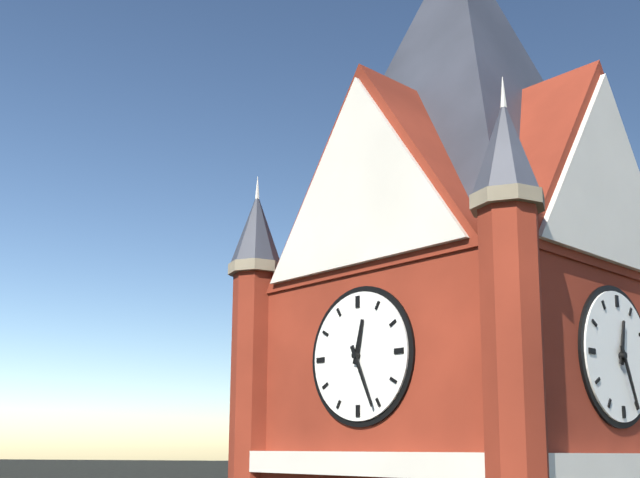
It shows 12:26
